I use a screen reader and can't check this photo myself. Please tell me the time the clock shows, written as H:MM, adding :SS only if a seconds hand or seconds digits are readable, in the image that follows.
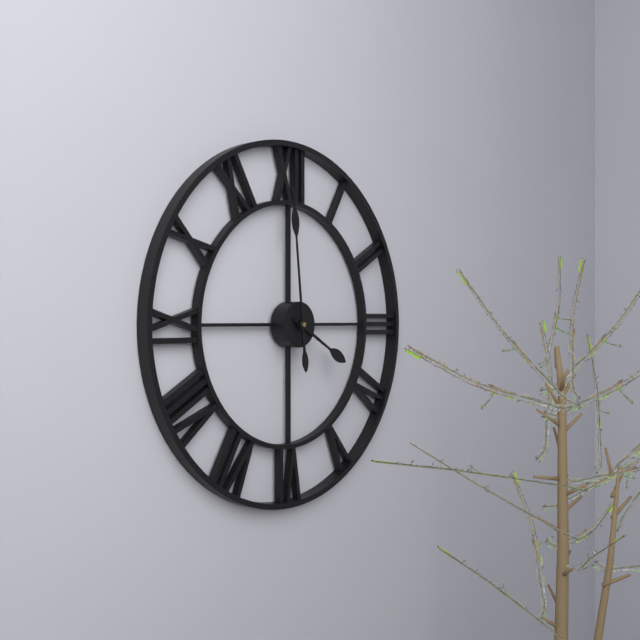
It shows 3:59
